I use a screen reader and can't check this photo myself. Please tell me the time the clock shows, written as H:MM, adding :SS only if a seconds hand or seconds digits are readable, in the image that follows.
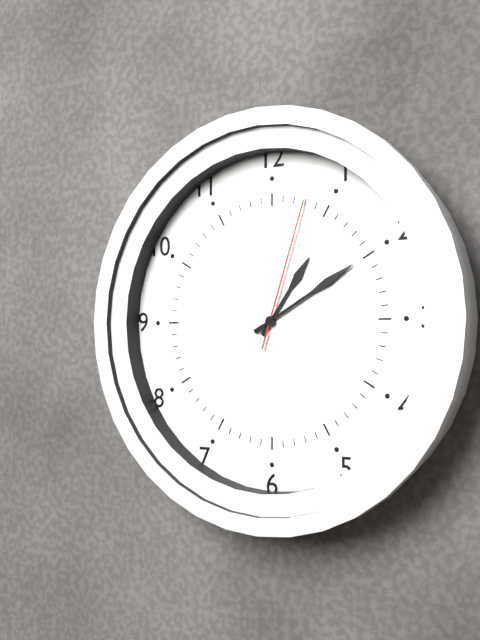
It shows 1:10:03
